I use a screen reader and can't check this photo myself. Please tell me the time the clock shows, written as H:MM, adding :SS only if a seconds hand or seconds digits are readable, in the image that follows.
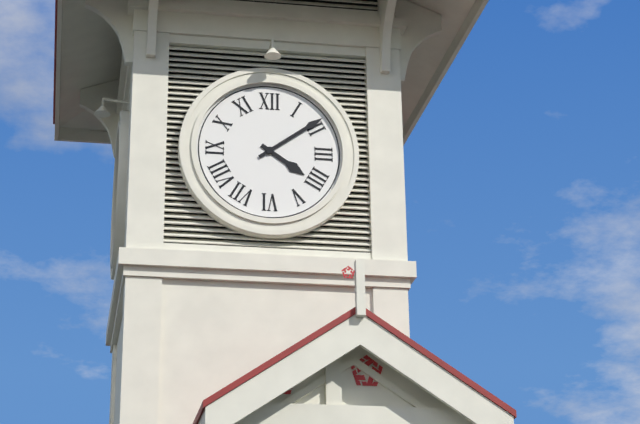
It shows 4:09
